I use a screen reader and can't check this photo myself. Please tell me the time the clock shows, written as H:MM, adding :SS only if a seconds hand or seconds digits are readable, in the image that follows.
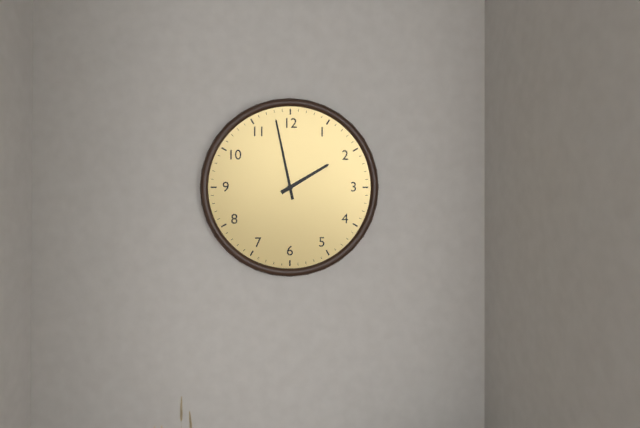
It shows 1:58
